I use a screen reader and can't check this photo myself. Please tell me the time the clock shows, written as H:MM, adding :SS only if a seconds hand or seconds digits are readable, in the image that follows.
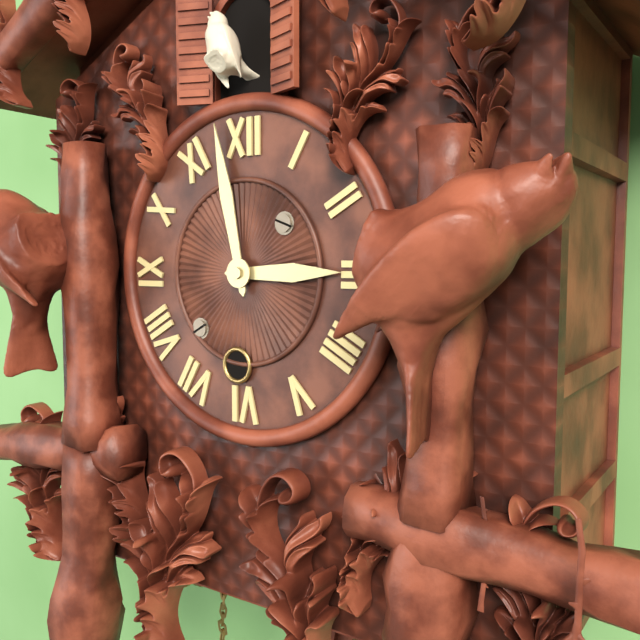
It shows 2:58
